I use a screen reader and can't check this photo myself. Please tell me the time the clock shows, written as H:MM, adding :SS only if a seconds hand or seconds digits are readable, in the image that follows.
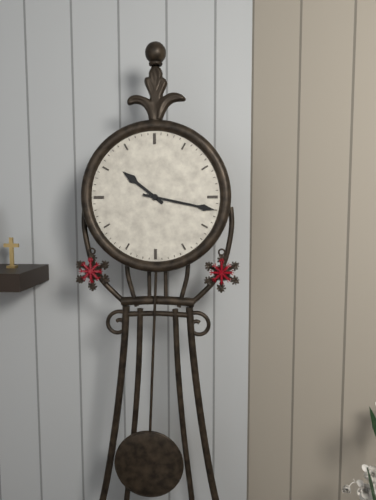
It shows 10:17
